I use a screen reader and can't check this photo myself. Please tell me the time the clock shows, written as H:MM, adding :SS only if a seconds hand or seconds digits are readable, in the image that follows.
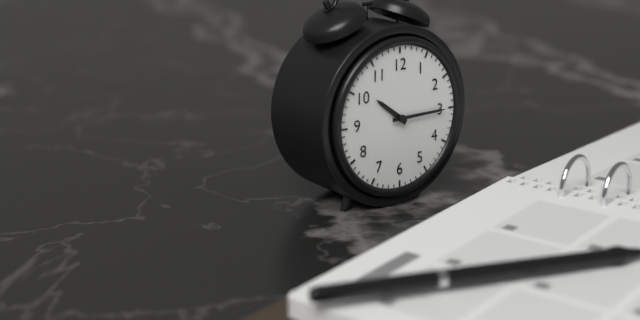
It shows 10:15
